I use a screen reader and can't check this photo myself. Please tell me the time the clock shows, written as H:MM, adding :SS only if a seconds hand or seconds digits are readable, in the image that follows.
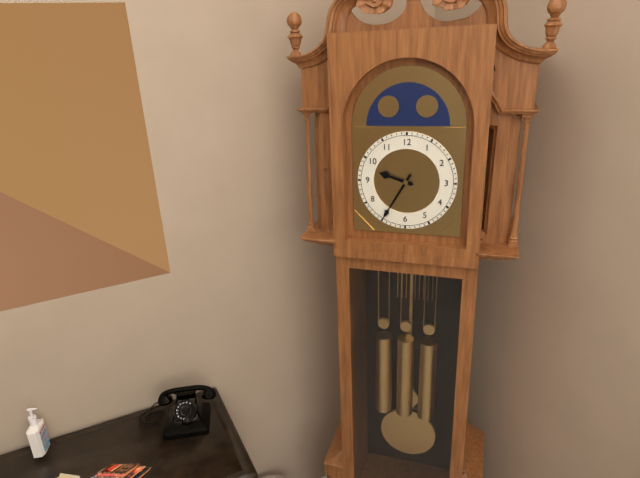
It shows 9:35
